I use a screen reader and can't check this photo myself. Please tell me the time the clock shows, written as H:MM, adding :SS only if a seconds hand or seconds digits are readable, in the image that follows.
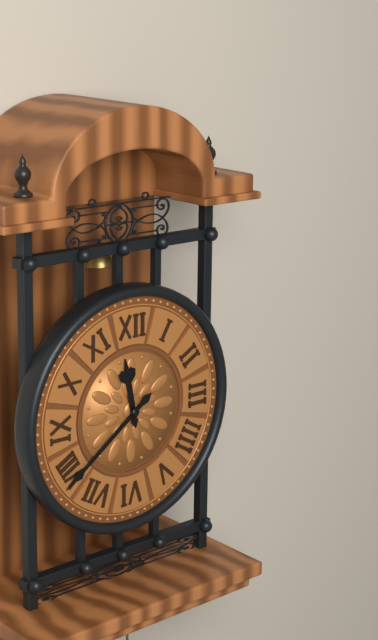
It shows 11:39
